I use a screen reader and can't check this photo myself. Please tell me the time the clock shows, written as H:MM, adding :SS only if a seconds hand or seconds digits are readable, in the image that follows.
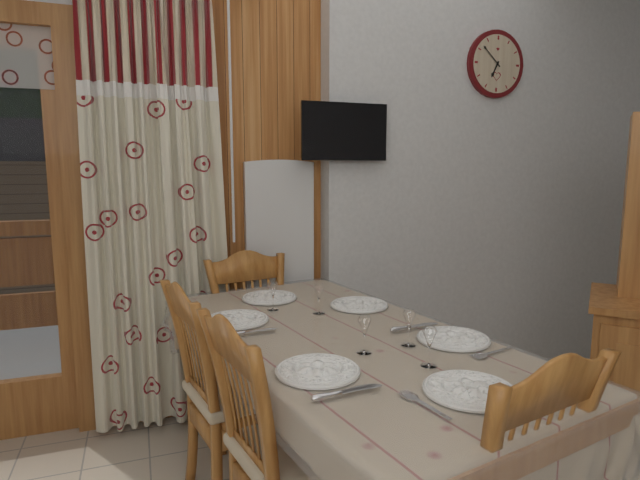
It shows 6:52
